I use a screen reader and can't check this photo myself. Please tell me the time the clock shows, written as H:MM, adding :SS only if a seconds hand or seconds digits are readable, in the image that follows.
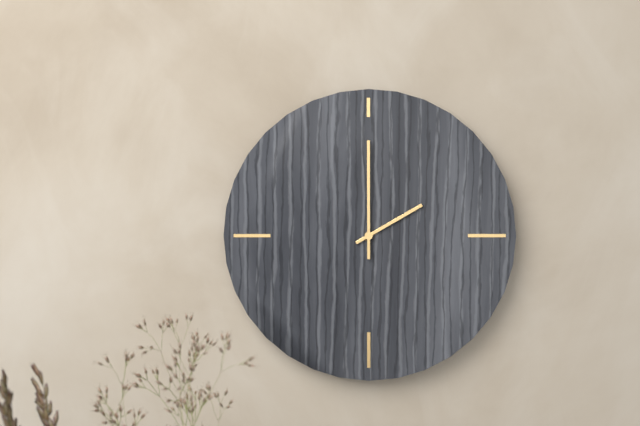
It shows 2:00
